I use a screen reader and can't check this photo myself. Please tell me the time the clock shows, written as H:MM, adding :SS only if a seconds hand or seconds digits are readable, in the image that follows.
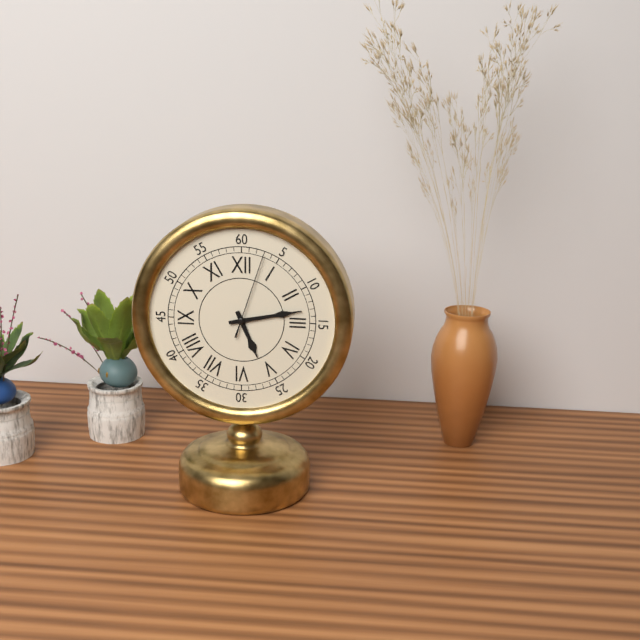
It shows 5:13:03
